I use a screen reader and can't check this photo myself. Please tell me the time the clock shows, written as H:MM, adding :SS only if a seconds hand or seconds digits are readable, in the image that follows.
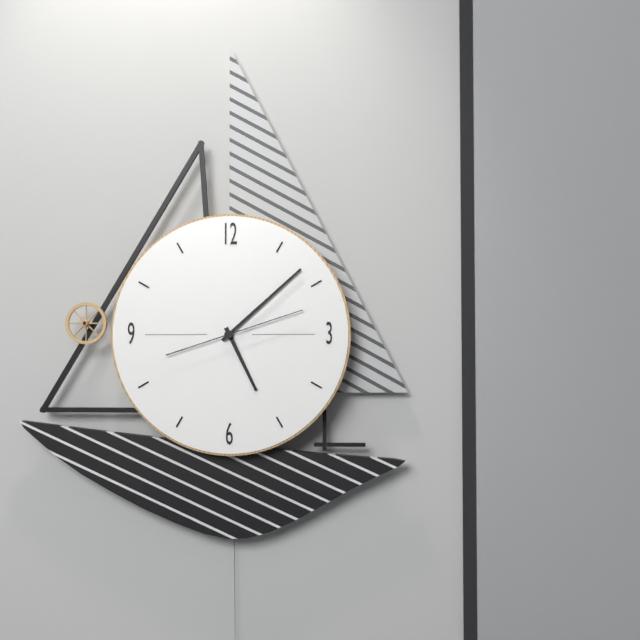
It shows 5:08:12
